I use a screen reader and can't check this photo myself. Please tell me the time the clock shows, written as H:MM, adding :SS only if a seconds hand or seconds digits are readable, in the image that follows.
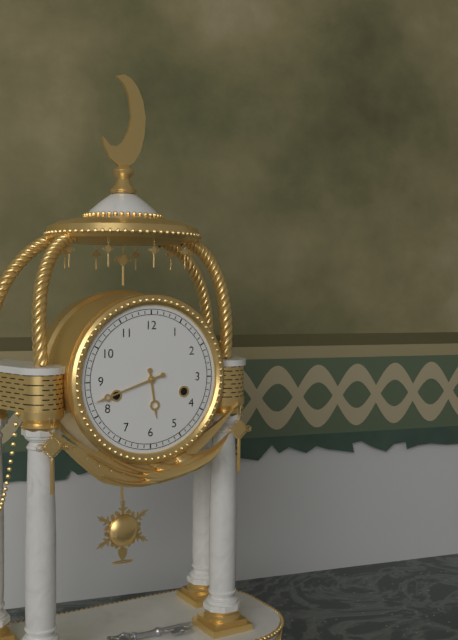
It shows 5:42
